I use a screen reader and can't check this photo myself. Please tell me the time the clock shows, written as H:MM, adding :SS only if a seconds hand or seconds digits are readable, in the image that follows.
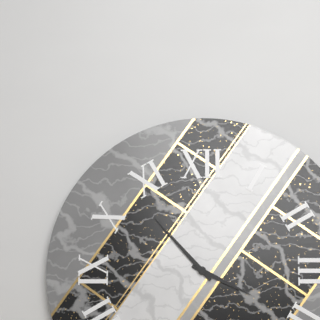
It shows 3:53
